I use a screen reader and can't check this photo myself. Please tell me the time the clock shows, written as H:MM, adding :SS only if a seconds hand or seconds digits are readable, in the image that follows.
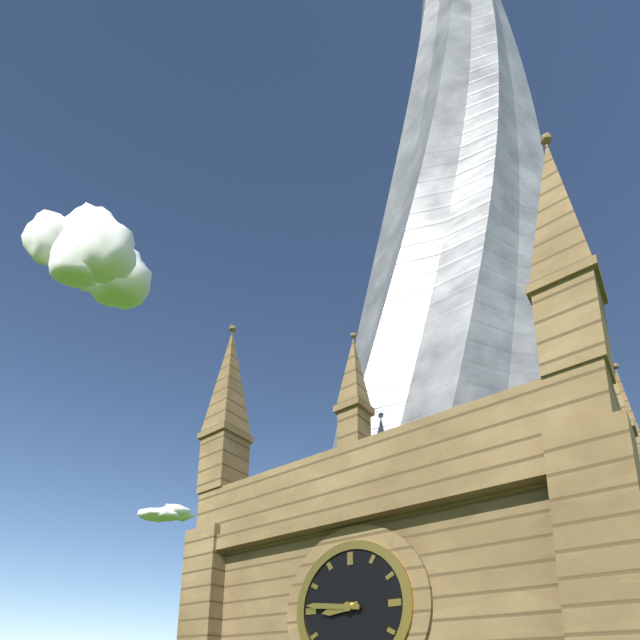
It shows 8:46
